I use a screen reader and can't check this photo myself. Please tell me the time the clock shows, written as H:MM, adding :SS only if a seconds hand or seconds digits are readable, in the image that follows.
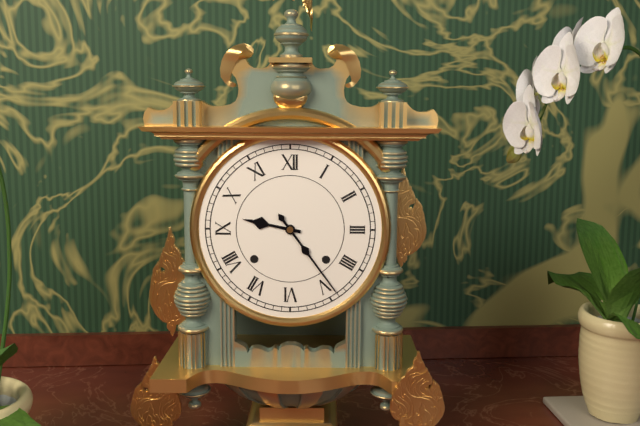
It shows 9:24
